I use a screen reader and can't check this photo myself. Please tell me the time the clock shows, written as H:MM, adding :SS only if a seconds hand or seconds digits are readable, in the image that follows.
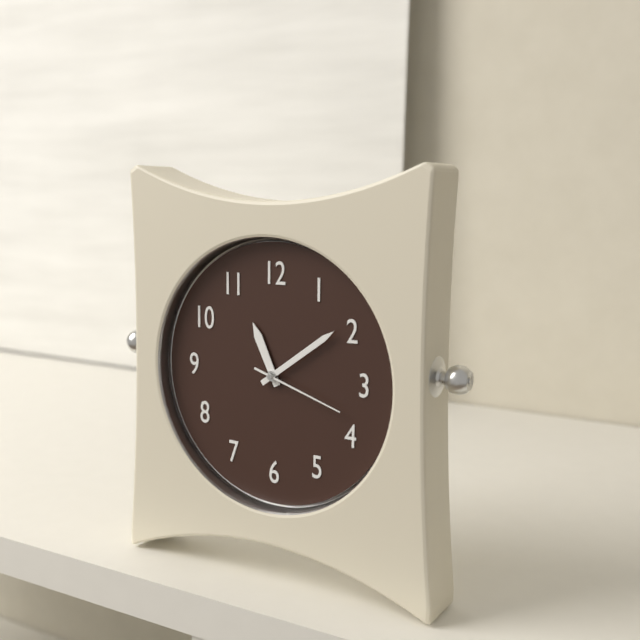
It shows 11:09:18
